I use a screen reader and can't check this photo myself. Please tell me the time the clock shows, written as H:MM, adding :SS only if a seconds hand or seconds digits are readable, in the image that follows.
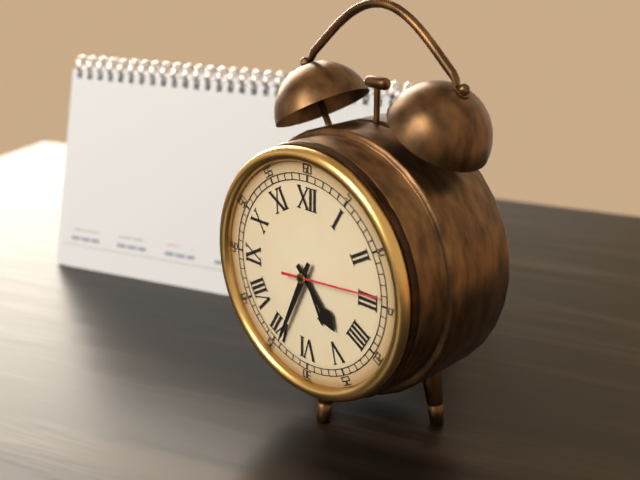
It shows 4:34:14
